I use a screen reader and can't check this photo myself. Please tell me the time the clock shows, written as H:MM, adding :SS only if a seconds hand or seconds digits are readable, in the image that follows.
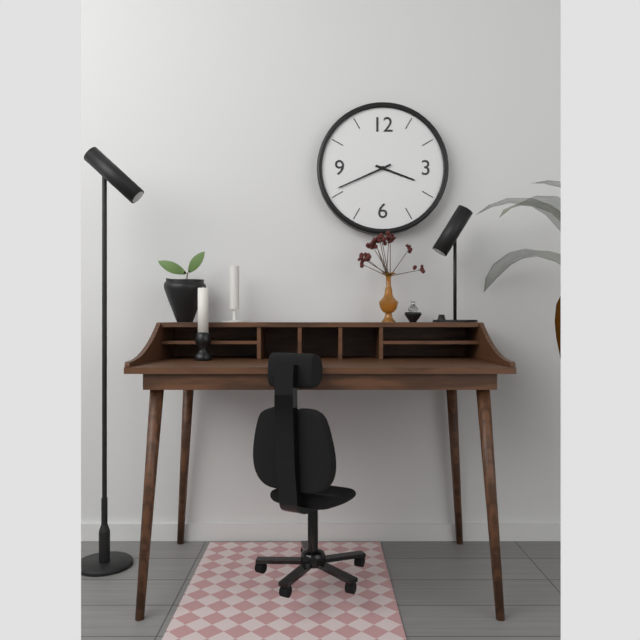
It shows 3:41
